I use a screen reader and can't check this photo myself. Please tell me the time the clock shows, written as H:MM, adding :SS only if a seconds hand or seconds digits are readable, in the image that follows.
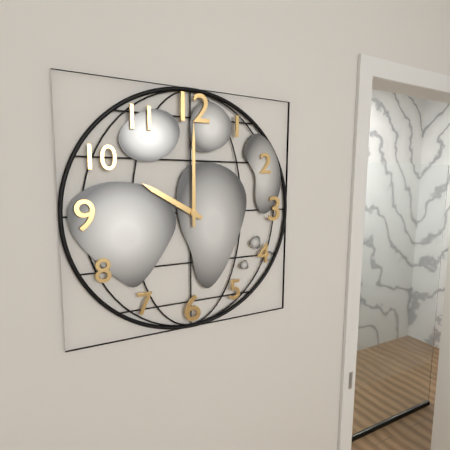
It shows 10:00
